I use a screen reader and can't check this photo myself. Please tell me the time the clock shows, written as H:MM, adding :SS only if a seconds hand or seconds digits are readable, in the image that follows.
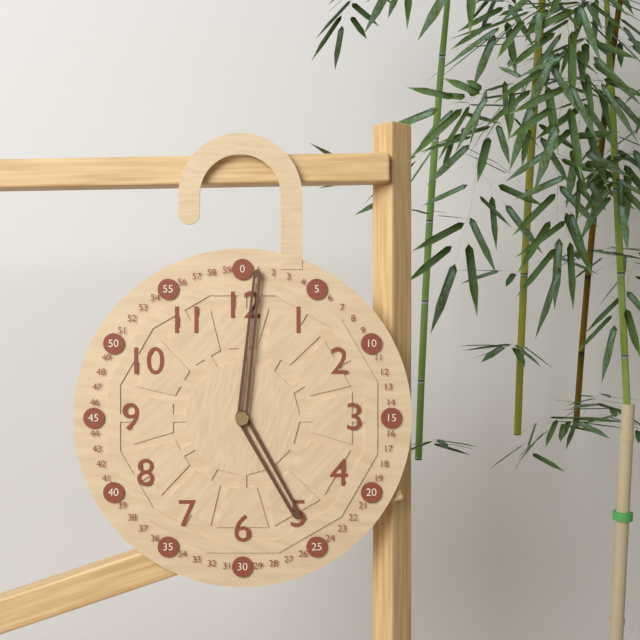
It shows 5:01
